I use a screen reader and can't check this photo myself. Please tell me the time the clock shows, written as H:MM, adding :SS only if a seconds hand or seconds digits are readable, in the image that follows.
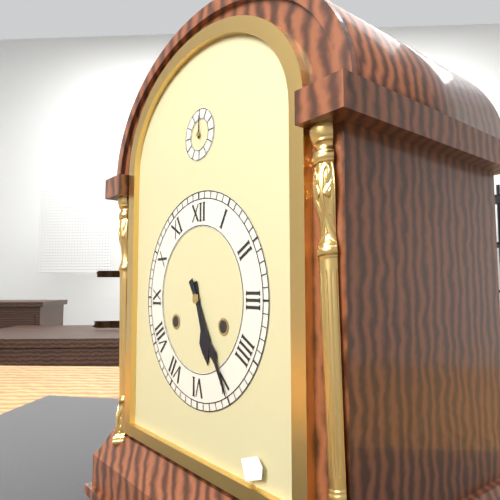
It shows 5:25
